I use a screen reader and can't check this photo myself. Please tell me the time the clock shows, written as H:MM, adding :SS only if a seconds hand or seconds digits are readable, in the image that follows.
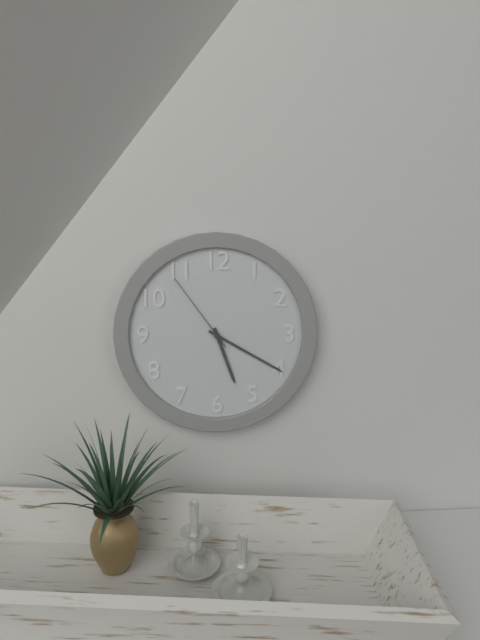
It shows 5:20:54
